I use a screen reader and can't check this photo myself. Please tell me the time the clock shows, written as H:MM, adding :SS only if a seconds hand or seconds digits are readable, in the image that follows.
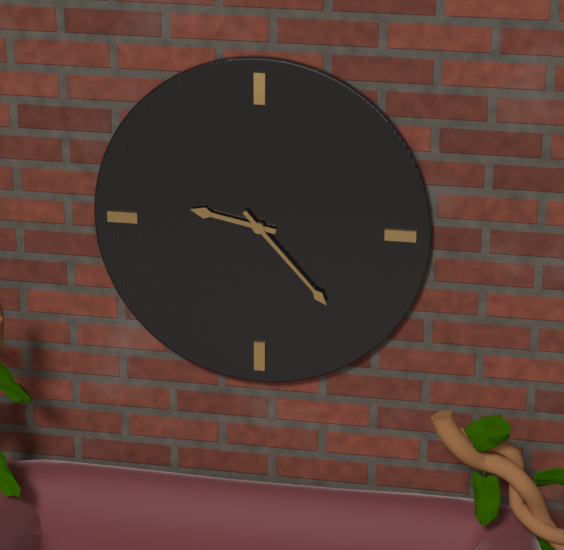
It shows 9:23
